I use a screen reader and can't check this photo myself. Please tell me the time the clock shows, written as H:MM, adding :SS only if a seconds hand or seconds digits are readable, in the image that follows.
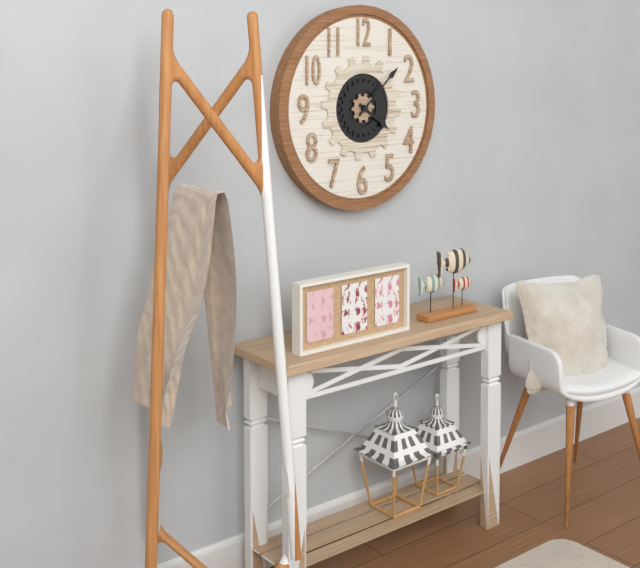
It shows 4:08
